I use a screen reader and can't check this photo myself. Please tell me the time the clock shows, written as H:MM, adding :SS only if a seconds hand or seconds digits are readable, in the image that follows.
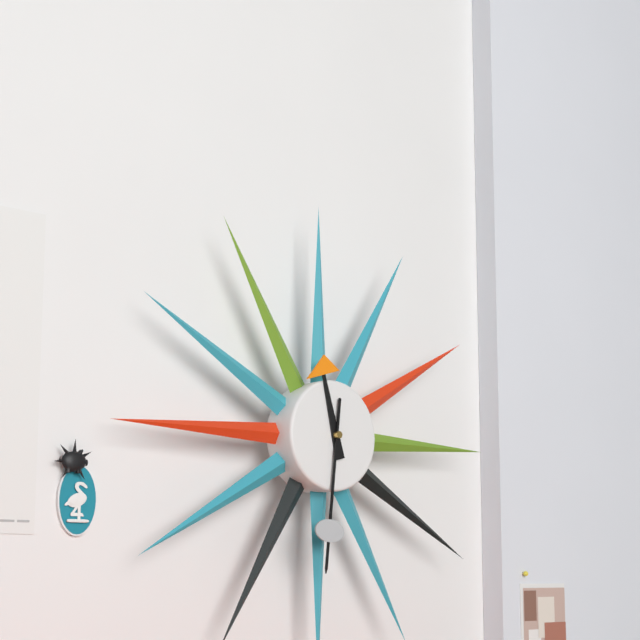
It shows 11:31
